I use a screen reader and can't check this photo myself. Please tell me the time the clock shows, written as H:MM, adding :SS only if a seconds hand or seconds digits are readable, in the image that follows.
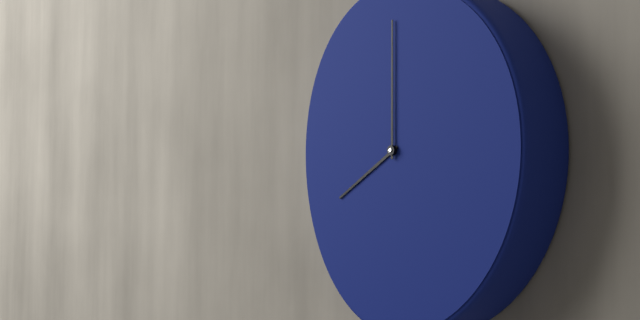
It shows 8:00
